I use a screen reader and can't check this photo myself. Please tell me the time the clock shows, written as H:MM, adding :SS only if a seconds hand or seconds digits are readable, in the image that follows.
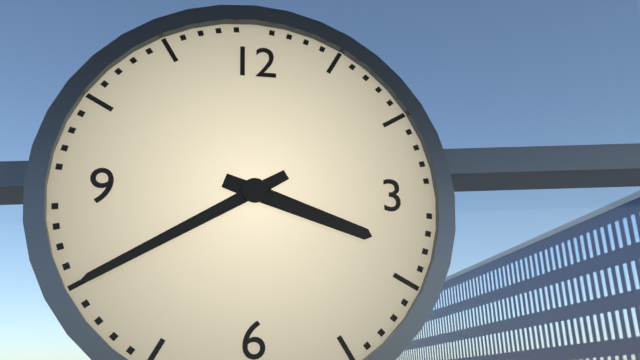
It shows 3:40
